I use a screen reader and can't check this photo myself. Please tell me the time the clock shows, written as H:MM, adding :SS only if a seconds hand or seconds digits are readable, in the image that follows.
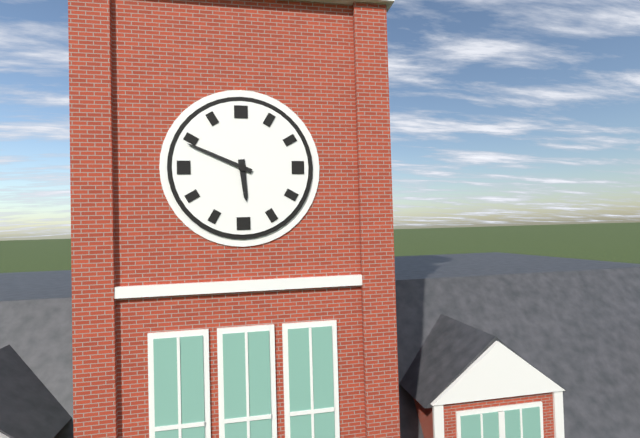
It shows 5:49
